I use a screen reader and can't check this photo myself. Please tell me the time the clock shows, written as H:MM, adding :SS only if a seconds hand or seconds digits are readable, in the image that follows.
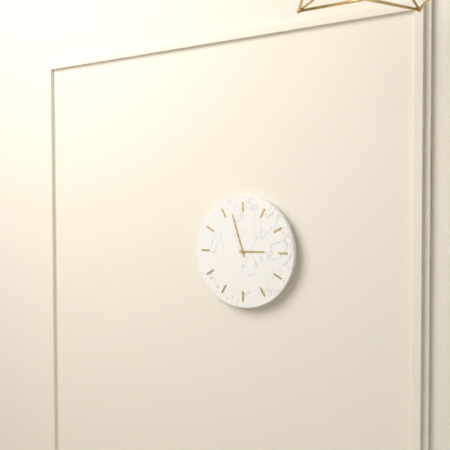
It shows 2:57
